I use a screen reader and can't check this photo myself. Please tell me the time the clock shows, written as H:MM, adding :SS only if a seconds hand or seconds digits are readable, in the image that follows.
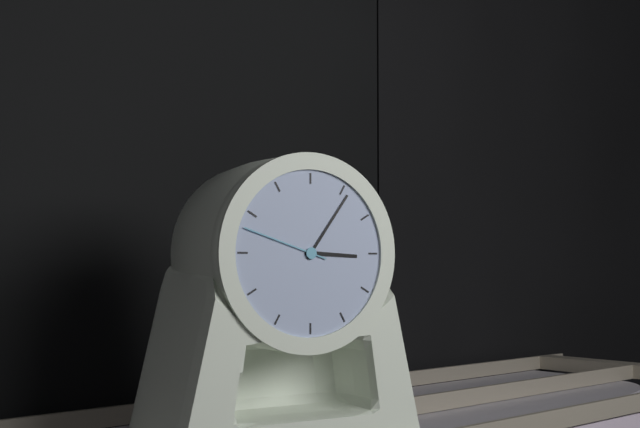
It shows 3:06:48
